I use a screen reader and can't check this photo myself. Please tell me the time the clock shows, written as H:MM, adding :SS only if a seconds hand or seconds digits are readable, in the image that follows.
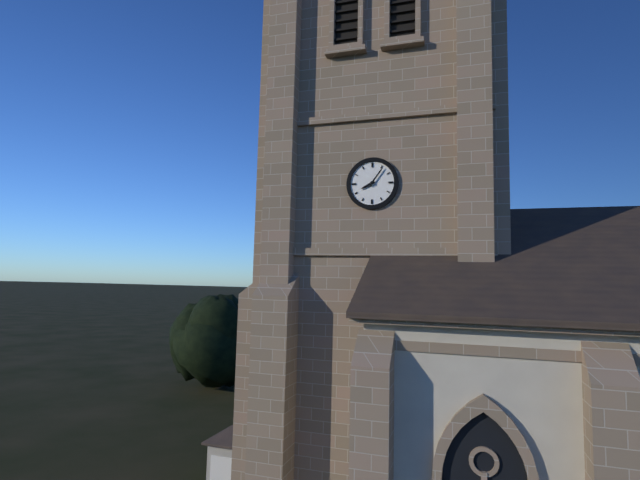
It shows 8:06
